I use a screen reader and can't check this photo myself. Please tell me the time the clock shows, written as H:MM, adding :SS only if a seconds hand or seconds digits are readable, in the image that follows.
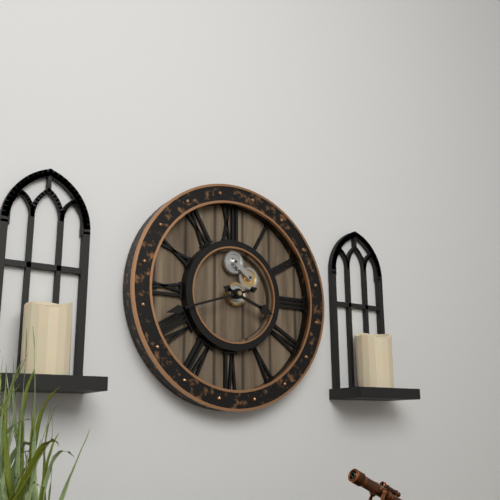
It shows 3:42
